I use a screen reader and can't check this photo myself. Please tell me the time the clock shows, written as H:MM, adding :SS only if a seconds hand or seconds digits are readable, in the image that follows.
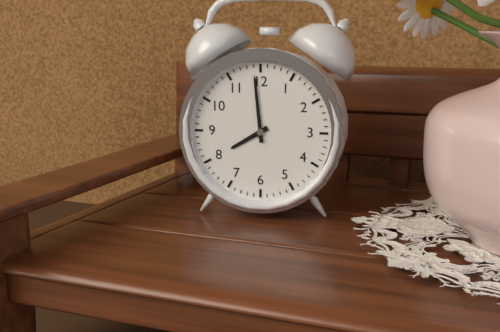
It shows 7:59
